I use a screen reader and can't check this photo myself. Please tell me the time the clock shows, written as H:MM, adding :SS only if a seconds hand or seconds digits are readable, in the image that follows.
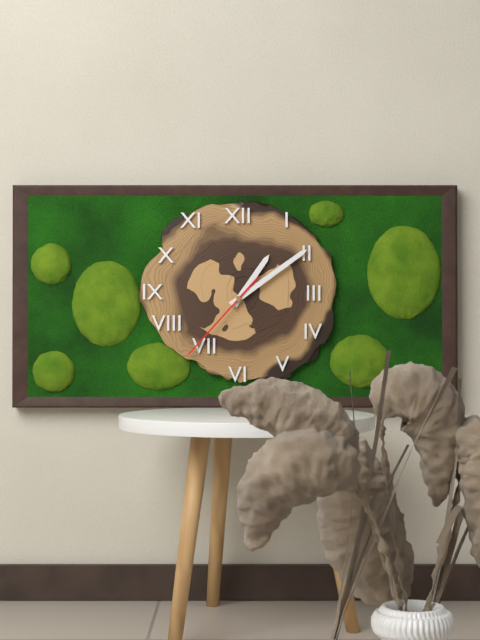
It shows 1:09:37
